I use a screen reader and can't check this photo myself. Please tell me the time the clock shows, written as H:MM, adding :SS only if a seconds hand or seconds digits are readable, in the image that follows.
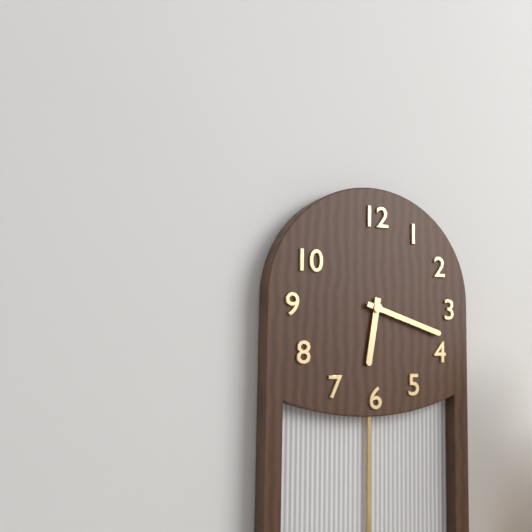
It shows 6:18
